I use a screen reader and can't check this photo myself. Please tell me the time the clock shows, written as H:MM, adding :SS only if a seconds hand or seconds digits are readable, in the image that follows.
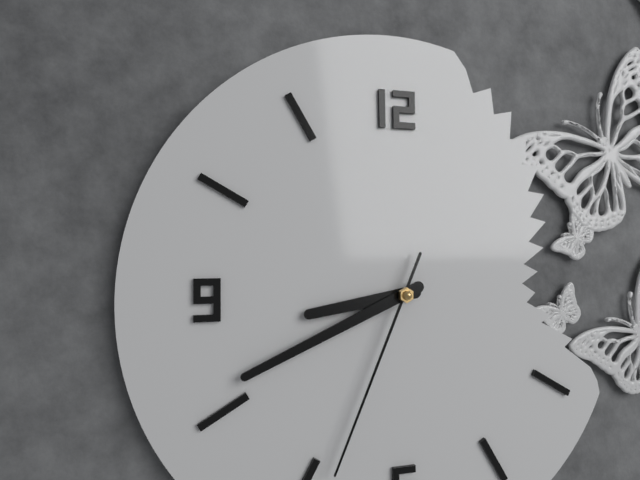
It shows 8:41:34
